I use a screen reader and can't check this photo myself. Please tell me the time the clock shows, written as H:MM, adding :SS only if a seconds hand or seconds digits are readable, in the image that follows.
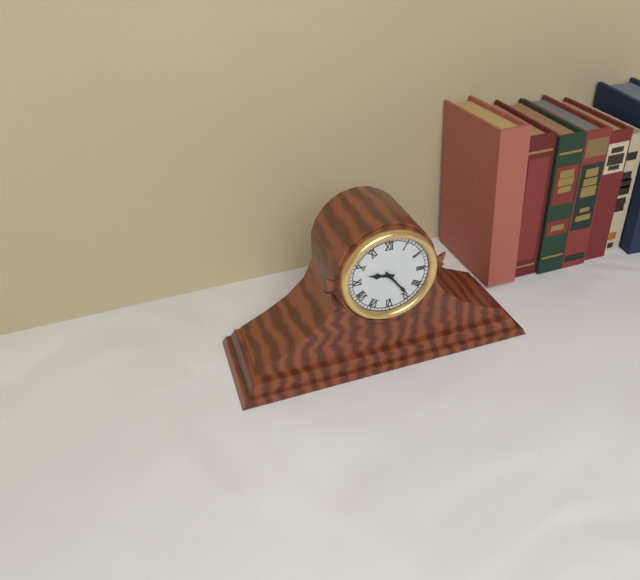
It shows 9:24
